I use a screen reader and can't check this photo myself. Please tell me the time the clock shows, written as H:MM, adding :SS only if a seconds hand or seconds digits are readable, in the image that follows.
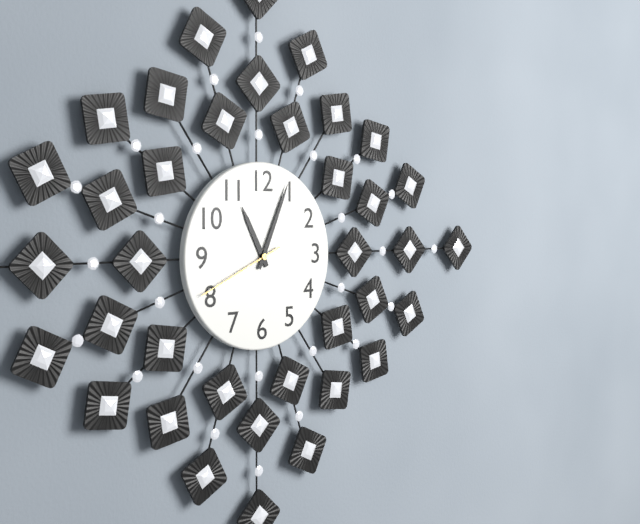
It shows 11:04:41
